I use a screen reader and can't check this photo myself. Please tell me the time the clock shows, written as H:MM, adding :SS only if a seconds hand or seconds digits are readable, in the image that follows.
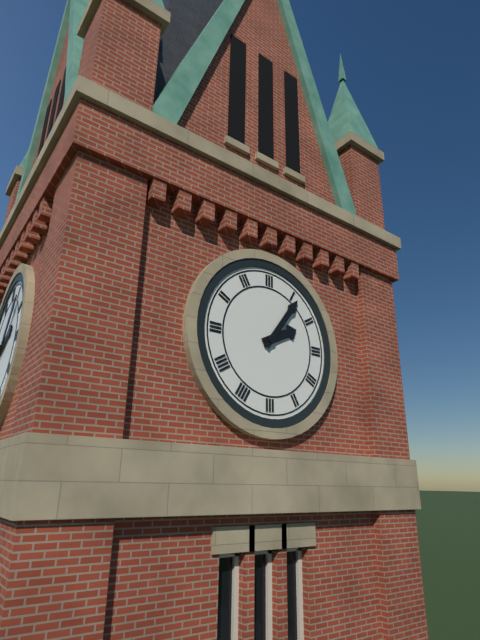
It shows 2:06
